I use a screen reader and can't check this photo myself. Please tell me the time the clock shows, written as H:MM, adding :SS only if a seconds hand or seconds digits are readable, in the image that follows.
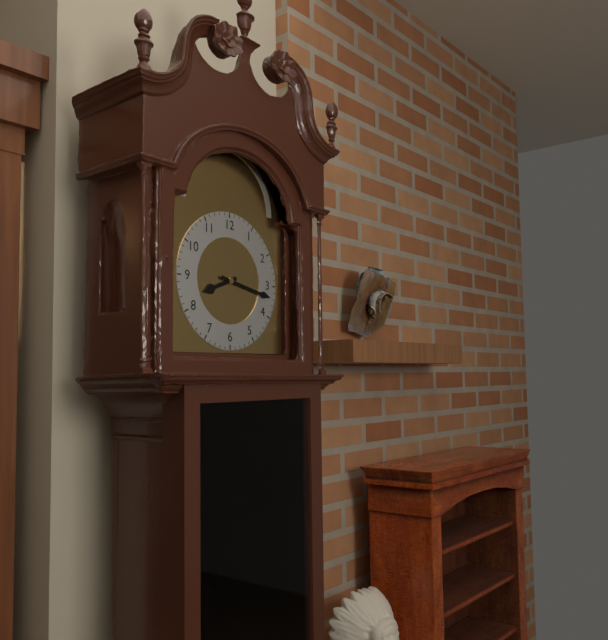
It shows 8:17
